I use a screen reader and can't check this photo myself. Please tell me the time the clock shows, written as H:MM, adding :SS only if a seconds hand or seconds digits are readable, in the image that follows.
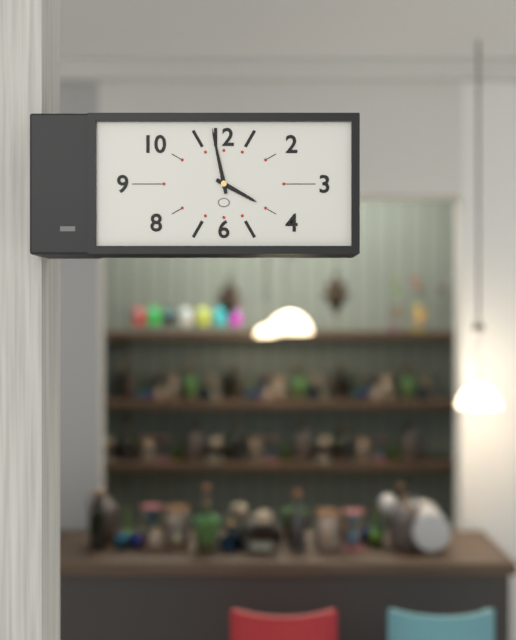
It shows 3:58
